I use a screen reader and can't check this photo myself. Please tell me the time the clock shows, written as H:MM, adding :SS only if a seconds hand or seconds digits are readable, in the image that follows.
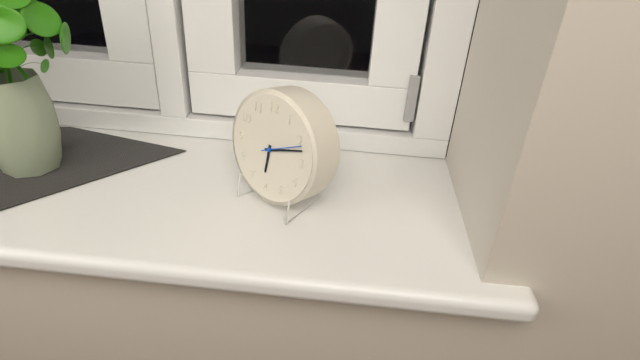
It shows 6:12
